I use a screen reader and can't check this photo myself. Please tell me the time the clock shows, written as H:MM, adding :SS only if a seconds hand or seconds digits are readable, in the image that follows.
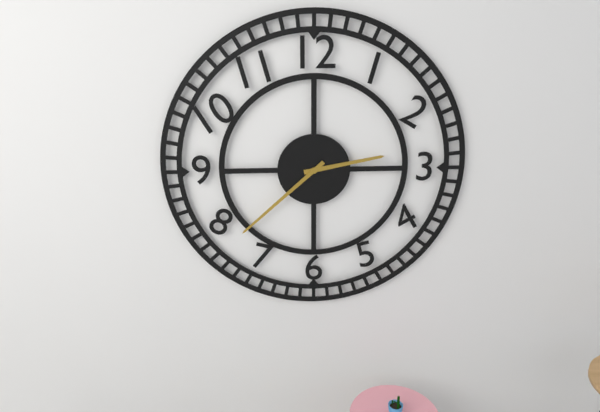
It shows 2:38
